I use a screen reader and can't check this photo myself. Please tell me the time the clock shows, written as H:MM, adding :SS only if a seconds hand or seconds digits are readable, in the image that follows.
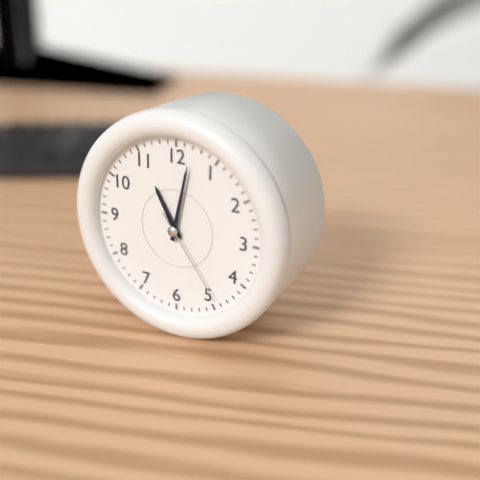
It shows 11:02:24
